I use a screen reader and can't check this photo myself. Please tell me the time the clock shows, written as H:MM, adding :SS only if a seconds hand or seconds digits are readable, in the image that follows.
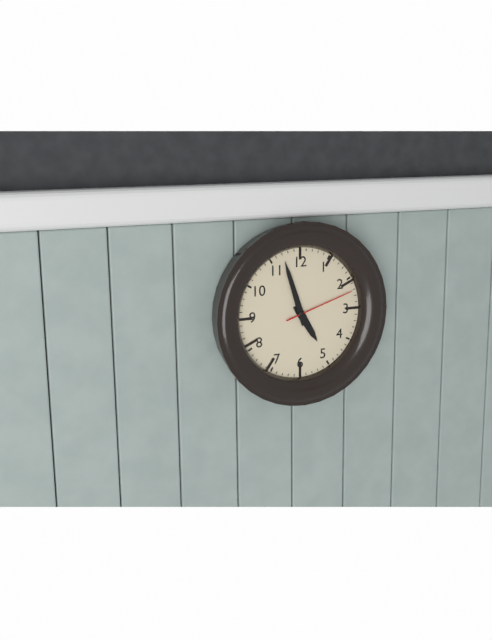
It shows 4:57:12
